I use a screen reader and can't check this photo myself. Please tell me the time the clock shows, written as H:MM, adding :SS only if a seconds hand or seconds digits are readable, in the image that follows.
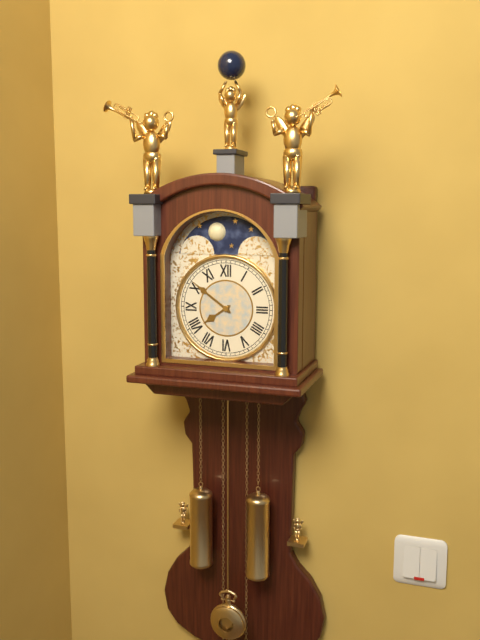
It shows 7:51
